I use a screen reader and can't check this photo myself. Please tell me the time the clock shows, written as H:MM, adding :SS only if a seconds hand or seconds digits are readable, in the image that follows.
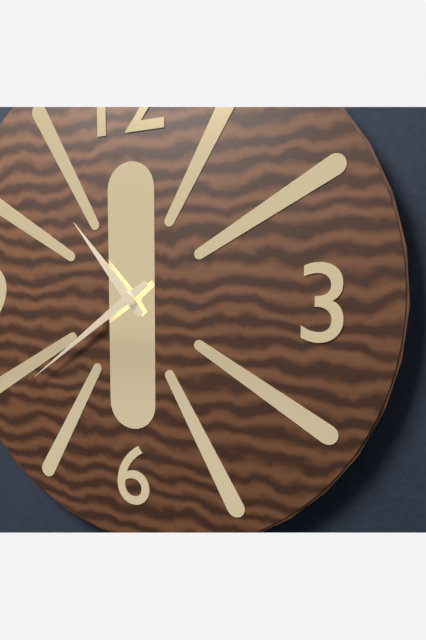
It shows 10:39
